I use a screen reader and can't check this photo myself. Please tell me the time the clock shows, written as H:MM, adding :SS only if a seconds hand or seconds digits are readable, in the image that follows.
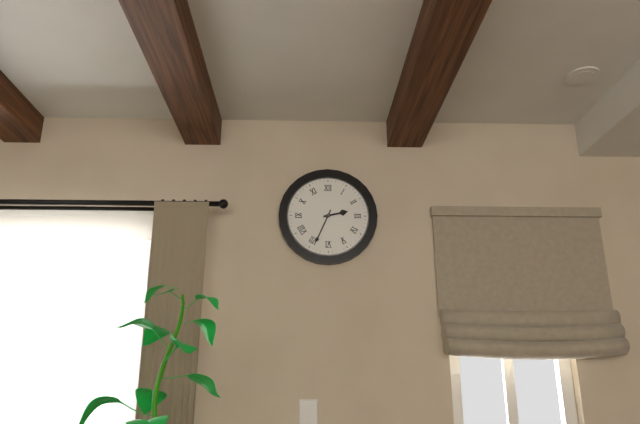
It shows 2:34
